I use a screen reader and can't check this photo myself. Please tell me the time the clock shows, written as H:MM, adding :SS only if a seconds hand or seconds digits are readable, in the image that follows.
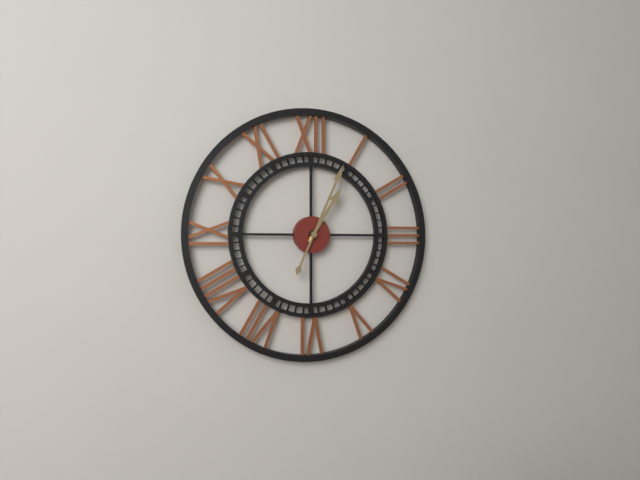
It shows 1:04
